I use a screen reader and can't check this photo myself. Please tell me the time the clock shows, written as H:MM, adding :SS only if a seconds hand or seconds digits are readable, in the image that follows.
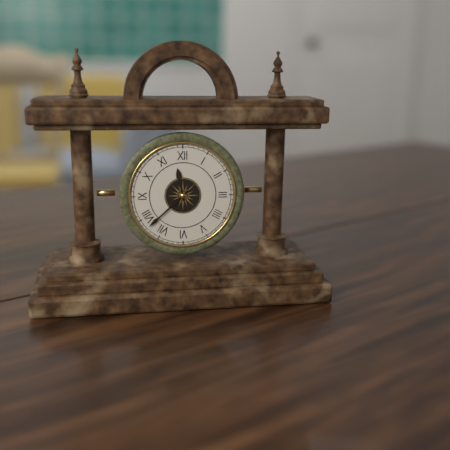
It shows 11:38
